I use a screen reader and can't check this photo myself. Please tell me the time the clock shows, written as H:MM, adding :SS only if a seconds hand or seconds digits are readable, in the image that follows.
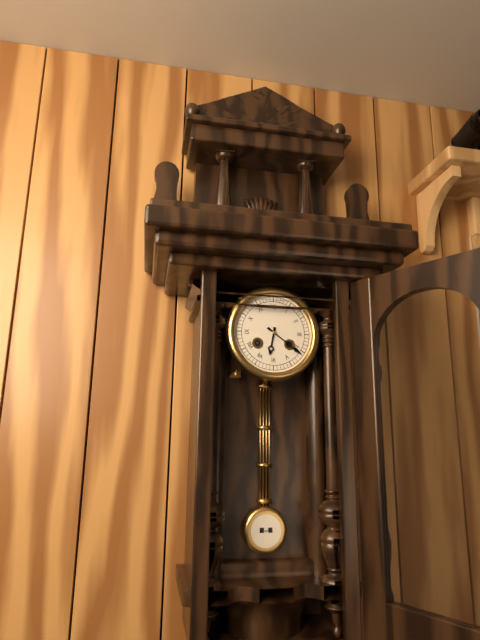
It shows 6:21
